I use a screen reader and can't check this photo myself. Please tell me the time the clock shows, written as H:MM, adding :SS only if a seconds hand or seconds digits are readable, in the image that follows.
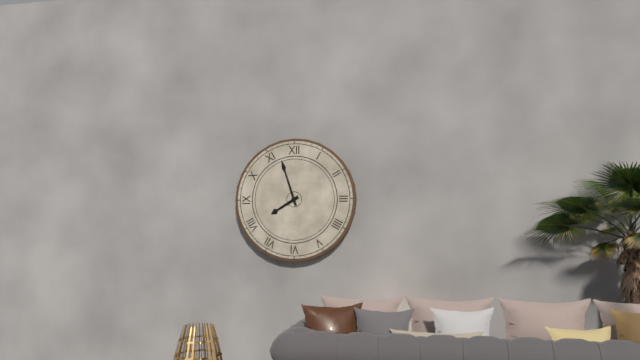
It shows 7:57
